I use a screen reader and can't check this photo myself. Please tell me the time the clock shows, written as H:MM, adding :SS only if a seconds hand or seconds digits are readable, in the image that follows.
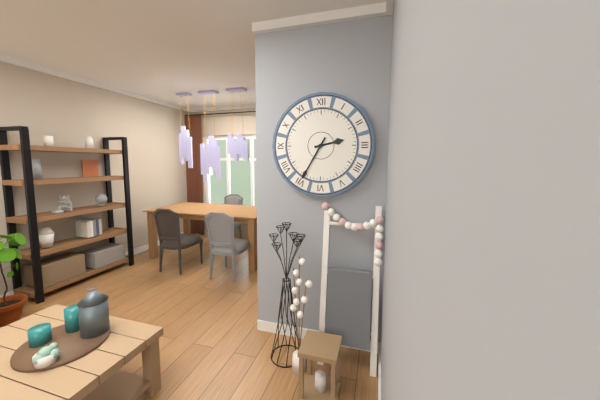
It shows 2:35
